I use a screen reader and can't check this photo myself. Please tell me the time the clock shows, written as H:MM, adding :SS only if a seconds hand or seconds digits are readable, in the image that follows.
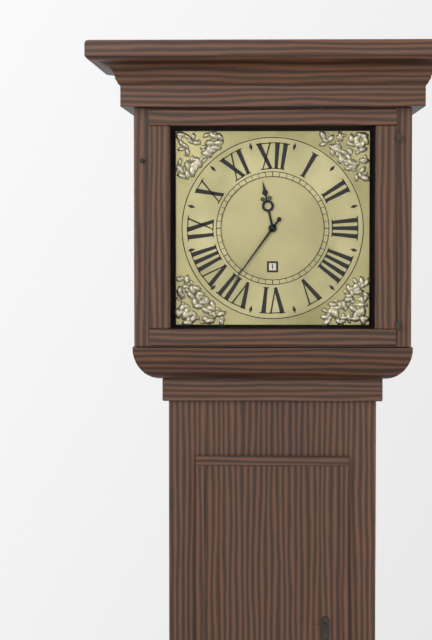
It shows 11:36
